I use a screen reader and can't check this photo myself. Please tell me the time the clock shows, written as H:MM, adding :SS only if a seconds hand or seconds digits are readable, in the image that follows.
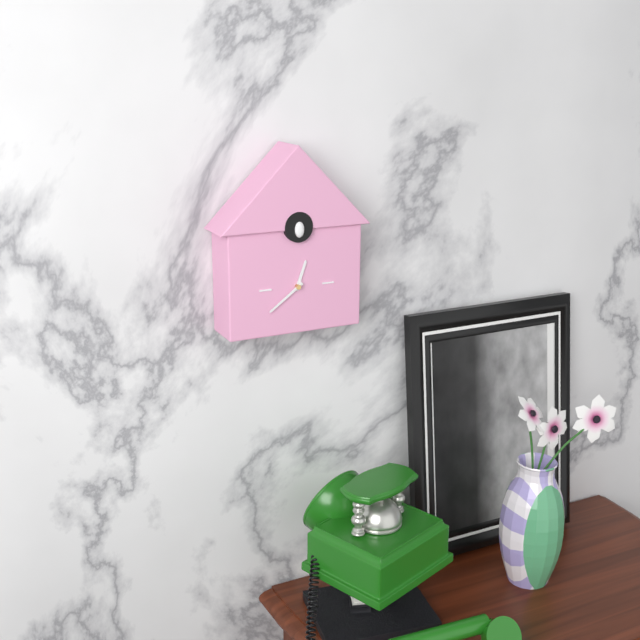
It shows 12:39
